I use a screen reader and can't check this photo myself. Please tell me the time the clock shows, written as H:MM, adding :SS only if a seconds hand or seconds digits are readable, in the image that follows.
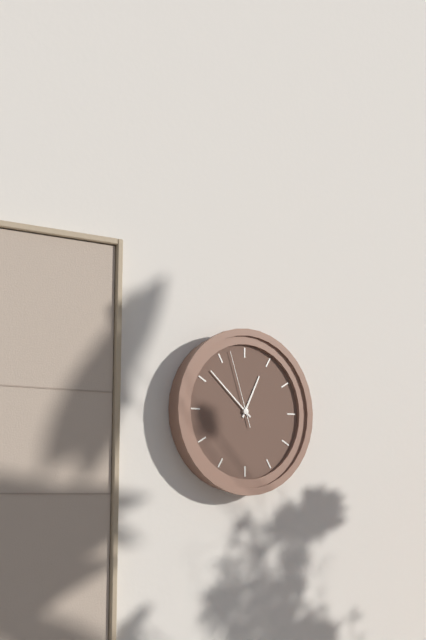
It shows 12:52:57
